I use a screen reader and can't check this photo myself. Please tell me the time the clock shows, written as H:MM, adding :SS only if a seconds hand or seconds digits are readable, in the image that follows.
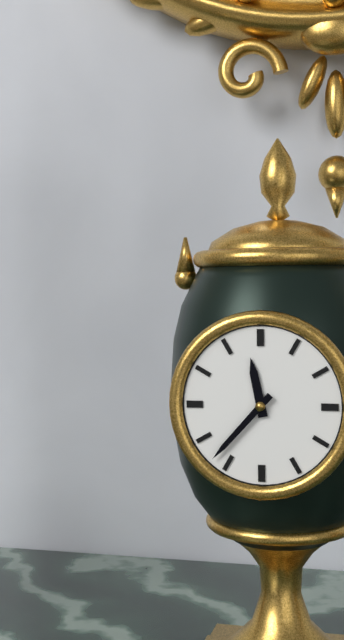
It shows 11:37
